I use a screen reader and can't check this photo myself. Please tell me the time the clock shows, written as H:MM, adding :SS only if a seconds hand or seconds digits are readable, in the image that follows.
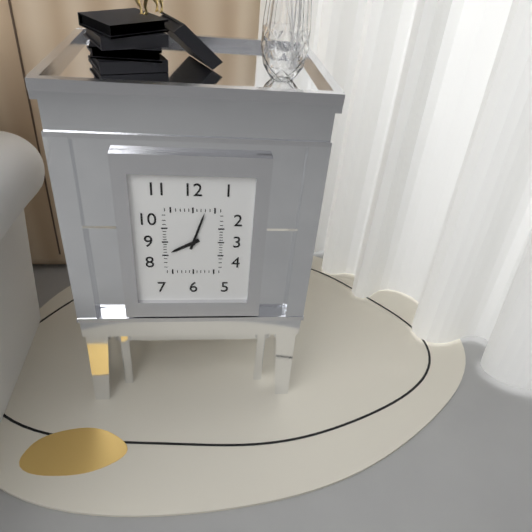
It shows 8:03
